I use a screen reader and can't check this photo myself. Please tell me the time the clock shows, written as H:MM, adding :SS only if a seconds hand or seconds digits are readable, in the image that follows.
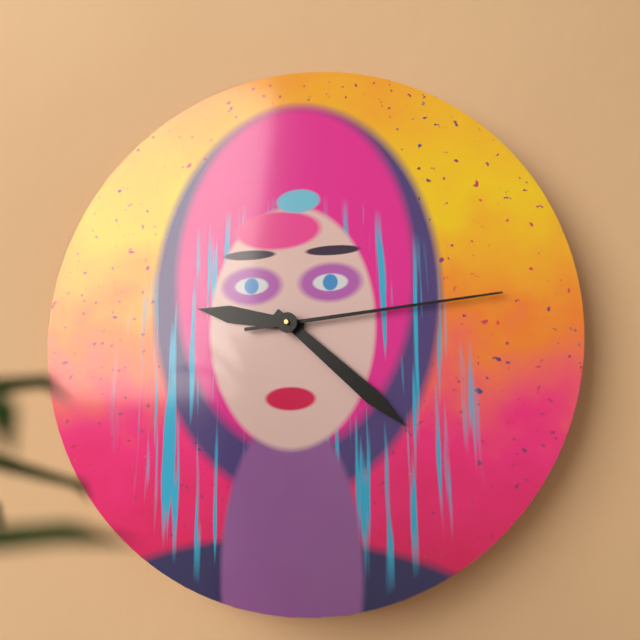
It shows 9:22:14
